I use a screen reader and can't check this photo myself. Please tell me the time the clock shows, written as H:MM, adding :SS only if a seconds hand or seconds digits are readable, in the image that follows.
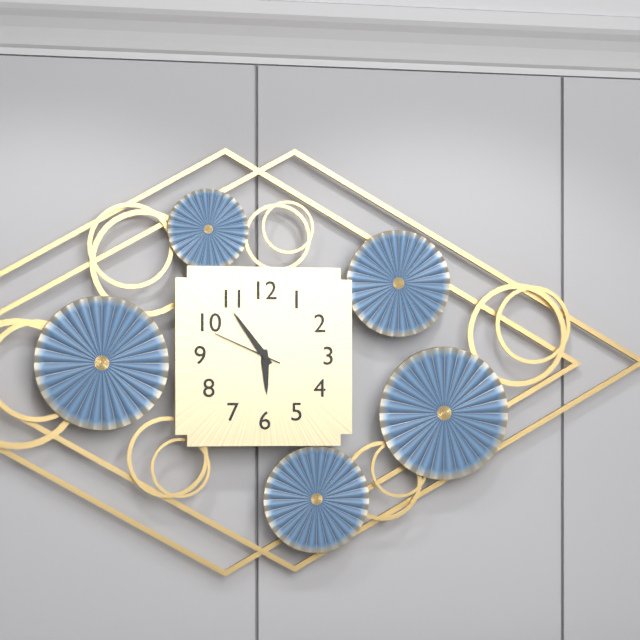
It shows 5:54:49
